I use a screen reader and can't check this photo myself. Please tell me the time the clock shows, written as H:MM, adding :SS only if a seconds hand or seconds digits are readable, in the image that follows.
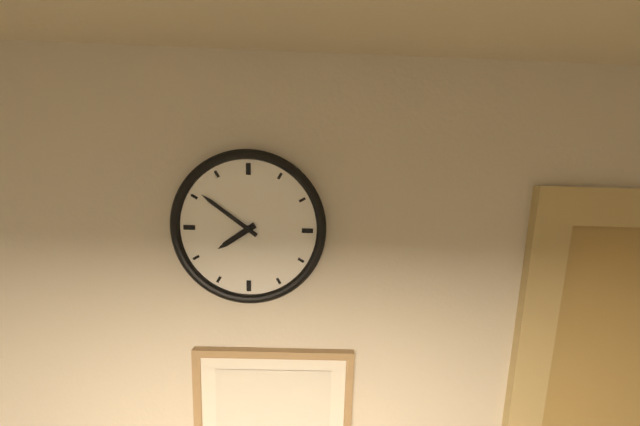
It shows 7:51
